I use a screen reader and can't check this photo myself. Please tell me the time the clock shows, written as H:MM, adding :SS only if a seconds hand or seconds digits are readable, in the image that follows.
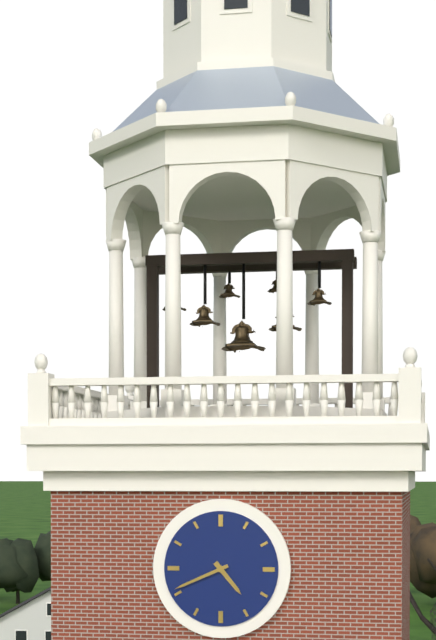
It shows 4:41
